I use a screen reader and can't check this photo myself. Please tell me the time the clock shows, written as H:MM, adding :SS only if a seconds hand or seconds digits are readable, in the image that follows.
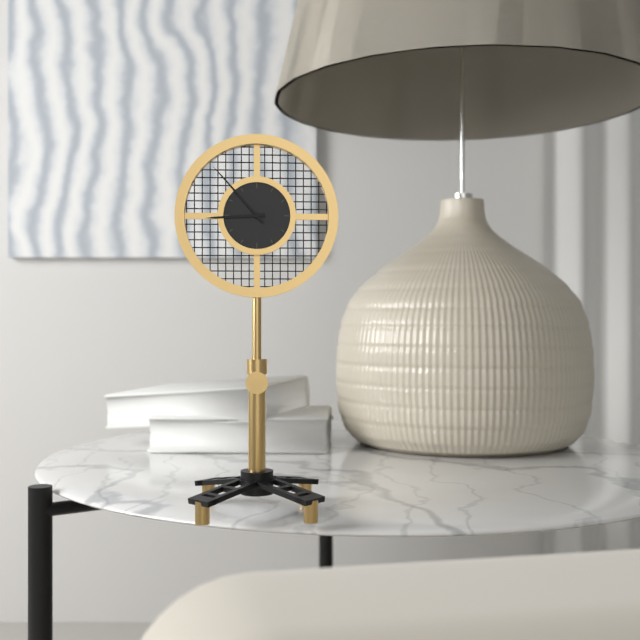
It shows 8:53
